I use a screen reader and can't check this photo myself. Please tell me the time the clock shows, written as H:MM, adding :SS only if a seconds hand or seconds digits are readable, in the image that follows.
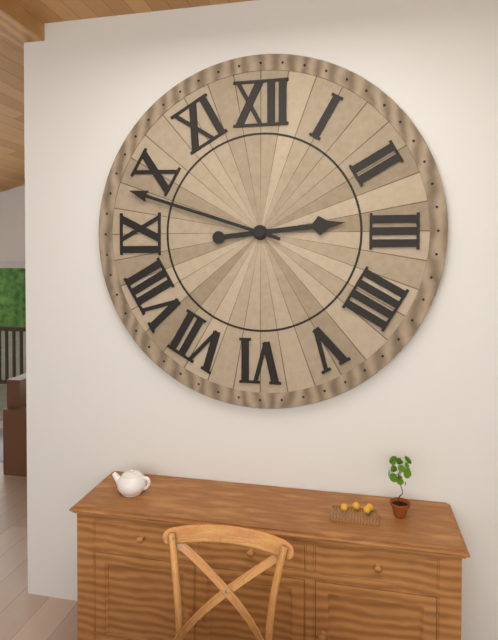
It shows 2:48
